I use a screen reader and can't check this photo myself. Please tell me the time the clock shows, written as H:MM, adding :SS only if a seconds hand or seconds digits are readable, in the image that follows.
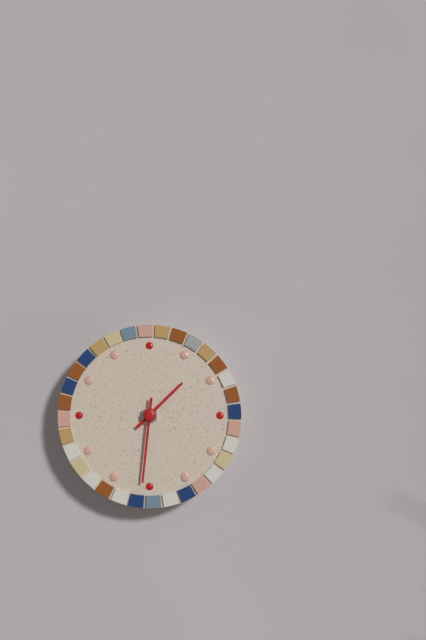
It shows 1:31
